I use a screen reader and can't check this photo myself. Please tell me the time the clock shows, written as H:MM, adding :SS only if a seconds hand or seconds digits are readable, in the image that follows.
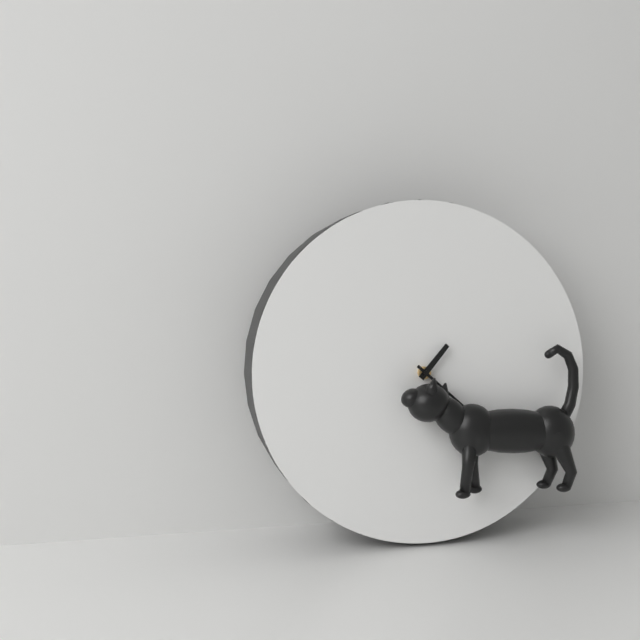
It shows 1:22
